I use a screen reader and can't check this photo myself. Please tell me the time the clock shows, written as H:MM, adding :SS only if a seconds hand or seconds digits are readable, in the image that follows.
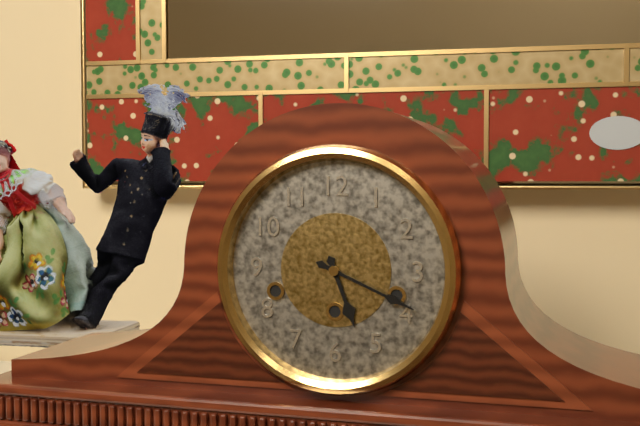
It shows 5:19
